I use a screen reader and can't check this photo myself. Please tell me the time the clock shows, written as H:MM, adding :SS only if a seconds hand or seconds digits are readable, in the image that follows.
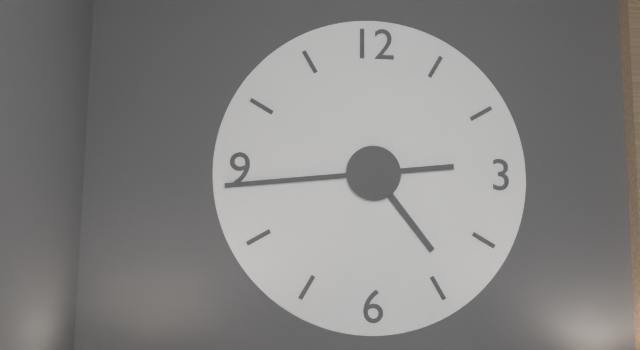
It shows 4:44
